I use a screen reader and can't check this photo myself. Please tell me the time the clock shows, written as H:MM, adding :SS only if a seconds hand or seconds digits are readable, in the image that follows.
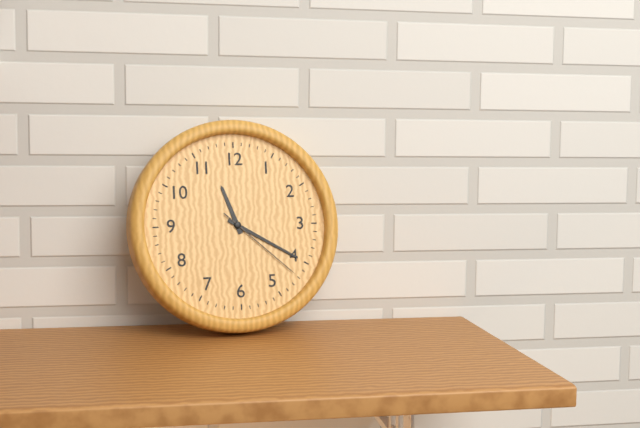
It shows 11:20:22
